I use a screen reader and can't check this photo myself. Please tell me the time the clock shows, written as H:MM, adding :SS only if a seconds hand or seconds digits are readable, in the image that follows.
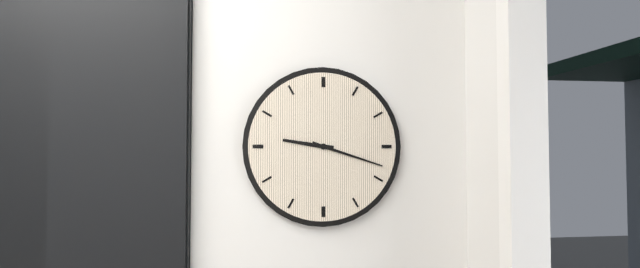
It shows 9:18
